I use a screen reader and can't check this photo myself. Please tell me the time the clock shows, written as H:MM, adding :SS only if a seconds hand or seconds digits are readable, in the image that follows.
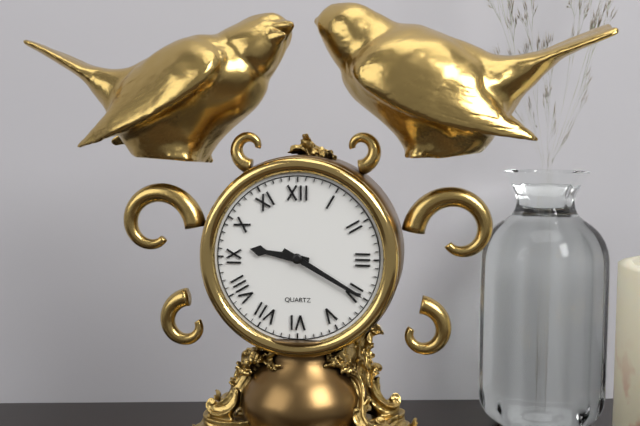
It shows 9:20
